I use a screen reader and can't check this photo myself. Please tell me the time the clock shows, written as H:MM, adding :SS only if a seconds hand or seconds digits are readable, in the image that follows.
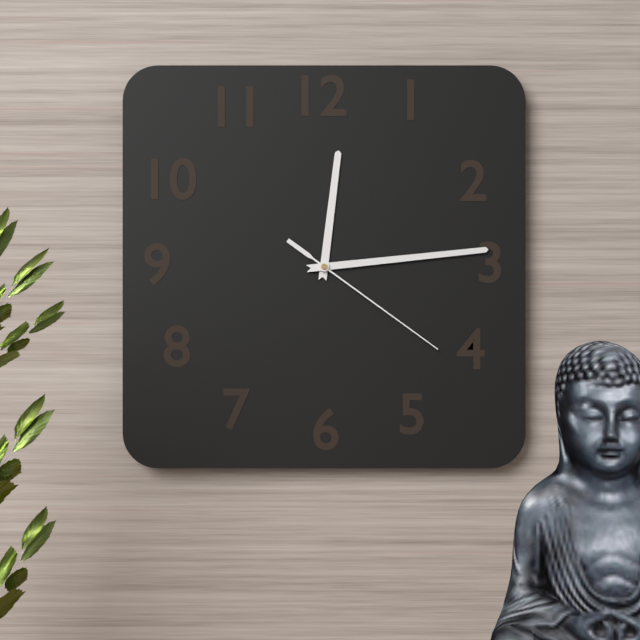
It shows 12:14:21
